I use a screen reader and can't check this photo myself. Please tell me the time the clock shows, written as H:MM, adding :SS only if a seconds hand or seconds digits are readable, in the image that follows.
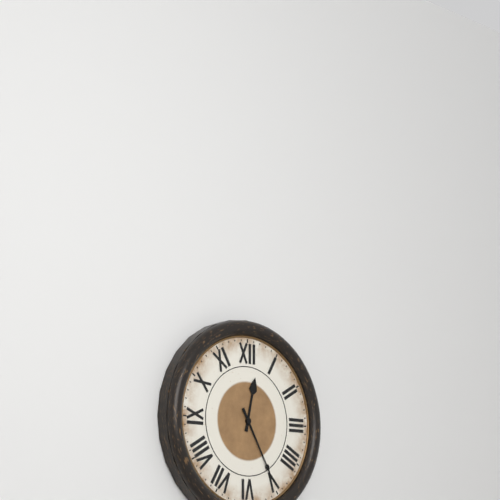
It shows 12:25
